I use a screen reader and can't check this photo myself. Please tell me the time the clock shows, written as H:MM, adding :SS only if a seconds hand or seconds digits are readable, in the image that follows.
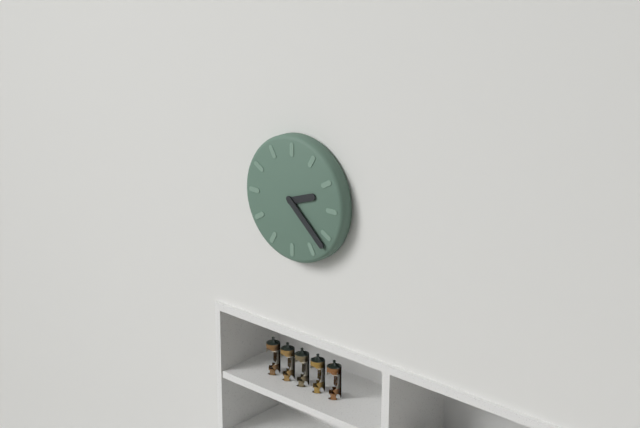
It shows 2:22
